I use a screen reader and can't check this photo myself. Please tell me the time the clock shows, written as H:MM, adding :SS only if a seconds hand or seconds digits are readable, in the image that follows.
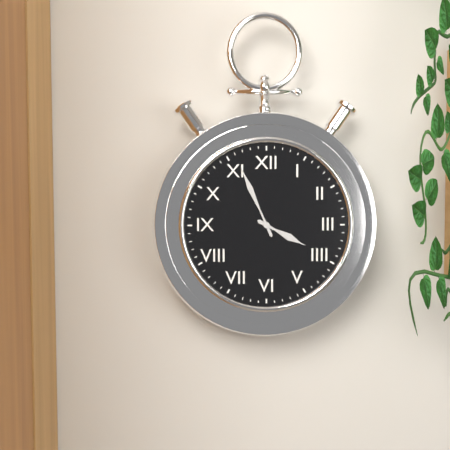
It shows 3:56
